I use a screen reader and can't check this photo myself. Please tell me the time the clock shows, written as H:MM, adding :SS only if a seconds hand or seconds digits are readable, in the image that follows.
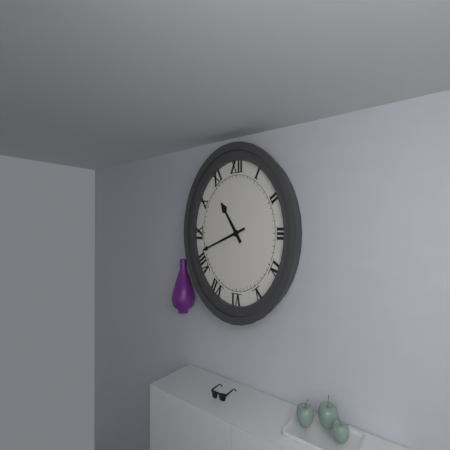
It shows 10:42
